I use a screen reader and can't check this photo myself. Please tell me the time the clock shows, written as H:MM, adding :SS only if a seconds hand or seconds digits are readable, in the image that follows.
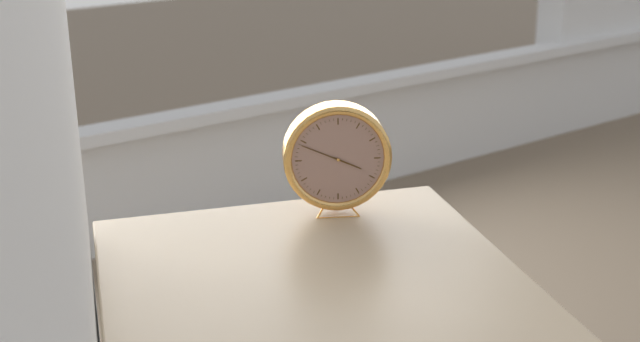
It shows 3:49
